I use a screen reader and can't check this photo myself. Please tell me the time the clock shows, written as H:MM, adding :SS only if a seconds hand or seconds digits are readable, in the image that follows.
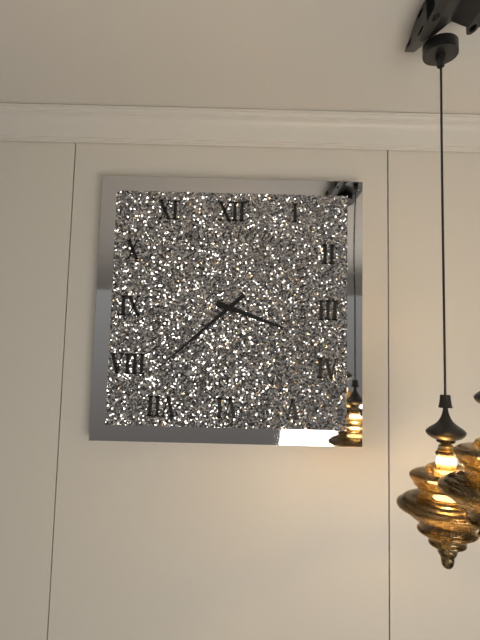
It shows 3:38
